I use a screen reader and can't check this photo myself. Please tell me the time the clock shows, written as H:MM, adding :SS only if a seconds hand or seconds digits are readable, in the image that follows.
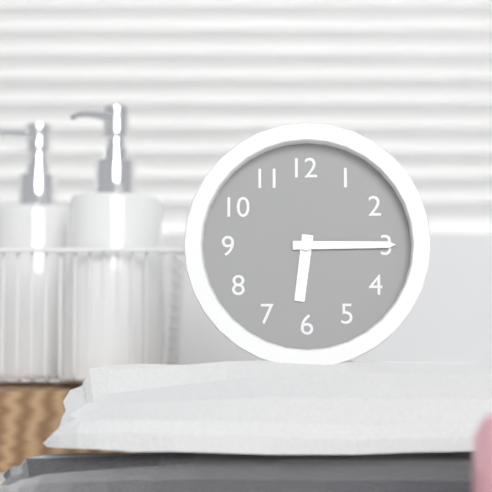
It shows 6:15
